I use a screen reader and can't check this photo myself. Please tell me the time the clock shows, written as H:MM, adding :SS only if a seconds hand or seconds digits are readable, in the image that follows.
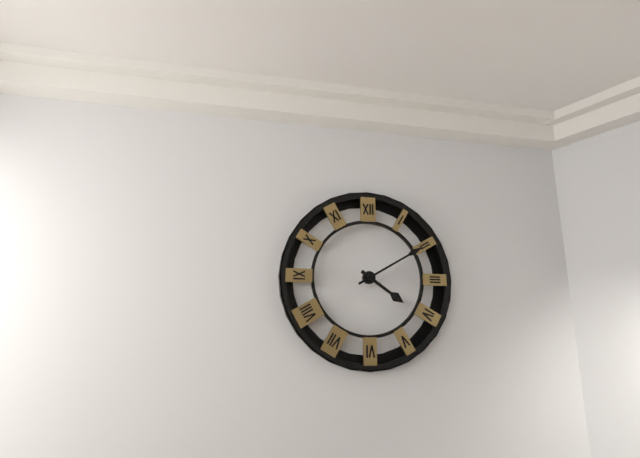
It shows 4:10
